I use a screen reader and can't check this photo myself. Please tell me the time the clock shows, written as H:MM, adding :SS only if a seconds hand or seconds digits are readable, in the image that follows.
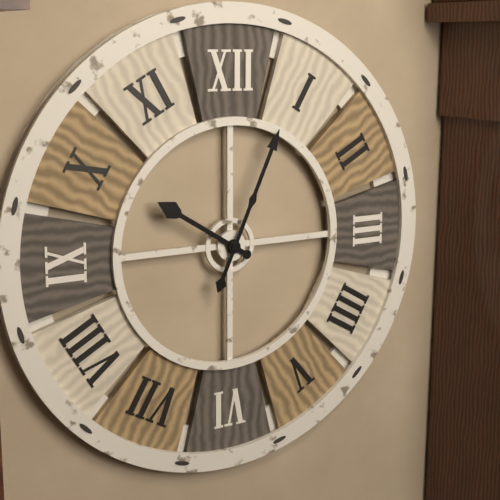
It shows 10:04
